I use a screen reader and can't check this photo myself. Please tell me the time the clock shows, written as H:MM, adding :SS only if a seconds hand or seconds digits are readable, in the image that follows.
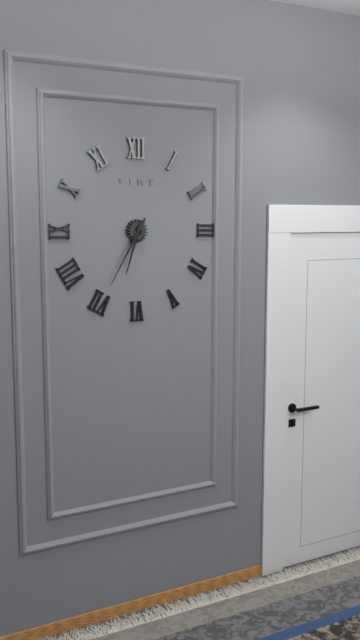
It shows 6:35
